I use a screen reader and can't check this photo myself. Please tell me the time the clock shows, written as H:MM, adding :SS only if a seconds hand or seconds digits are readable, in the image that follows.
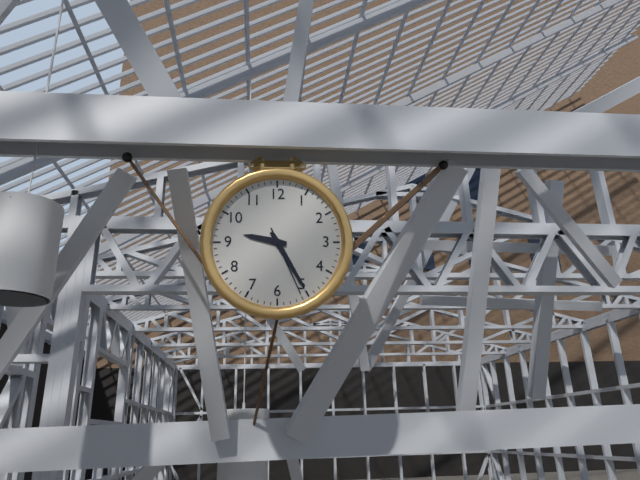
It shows 9:25:26
